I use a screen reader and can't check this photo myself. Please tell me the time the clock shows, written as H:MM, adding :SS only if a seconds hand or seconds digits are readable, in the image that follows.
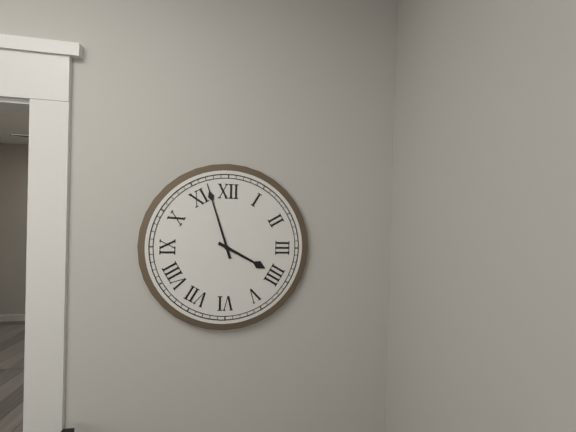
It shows 3:57
